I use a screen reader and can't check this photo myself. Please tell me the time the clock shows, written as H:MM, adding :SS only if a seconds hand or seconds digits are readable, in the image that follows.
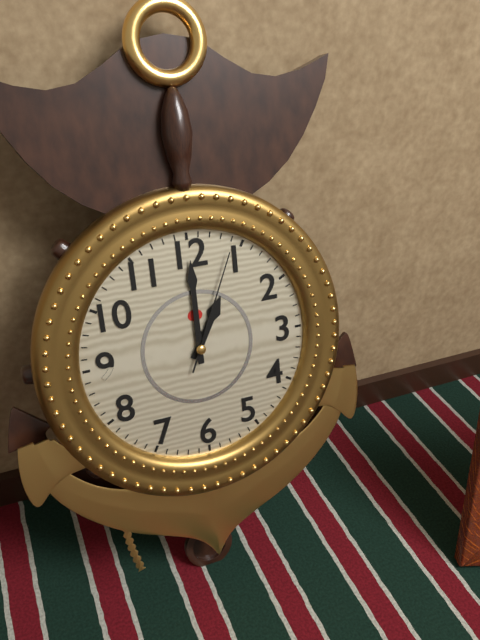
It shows 1:00:04
